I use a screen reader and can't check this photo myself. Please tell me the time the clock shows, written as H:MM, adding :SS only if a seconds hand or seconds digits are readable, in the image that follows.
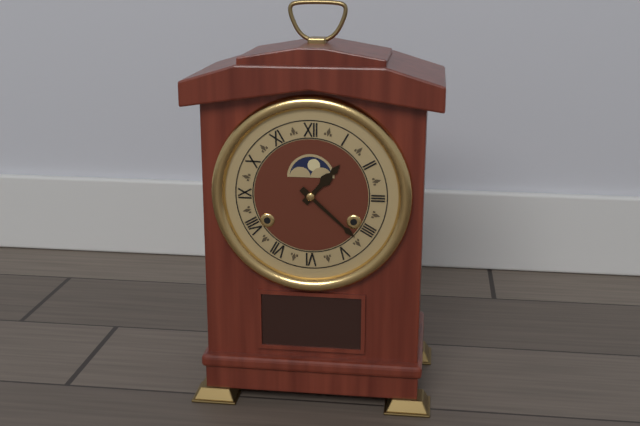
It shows 1:22
